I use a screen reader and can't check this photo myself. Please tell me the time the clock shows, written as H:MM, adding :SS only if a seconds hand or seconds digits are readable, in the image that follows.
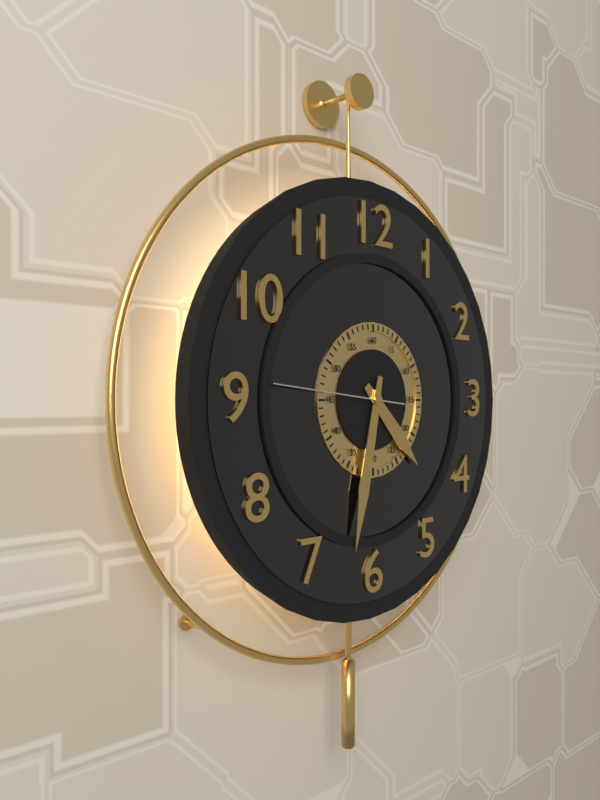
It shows 4:32:46
